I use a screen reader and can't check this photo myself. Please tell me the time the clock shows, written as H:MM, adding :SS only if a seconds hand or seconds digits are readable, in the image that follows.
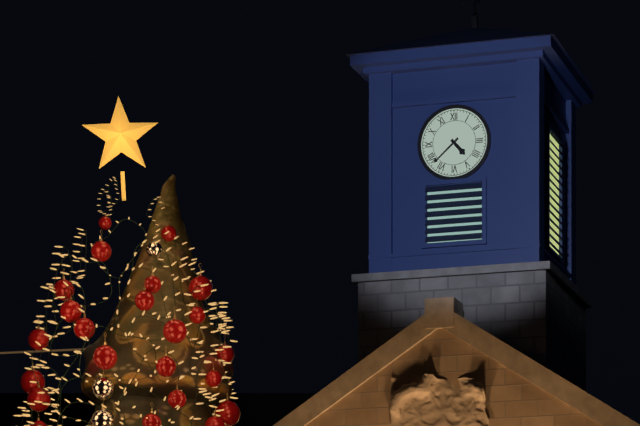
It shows 4:38
